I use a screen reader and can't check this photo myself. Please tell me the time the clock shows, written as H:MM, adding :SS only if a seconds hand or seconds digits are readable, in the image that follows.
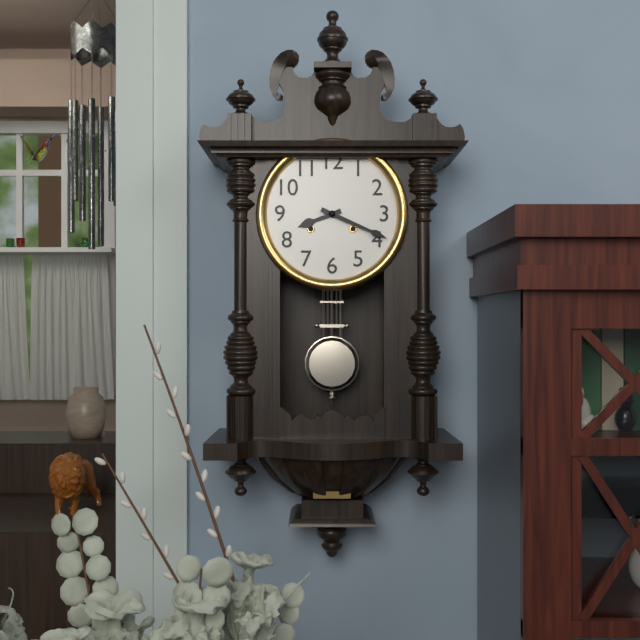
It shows 8:19
